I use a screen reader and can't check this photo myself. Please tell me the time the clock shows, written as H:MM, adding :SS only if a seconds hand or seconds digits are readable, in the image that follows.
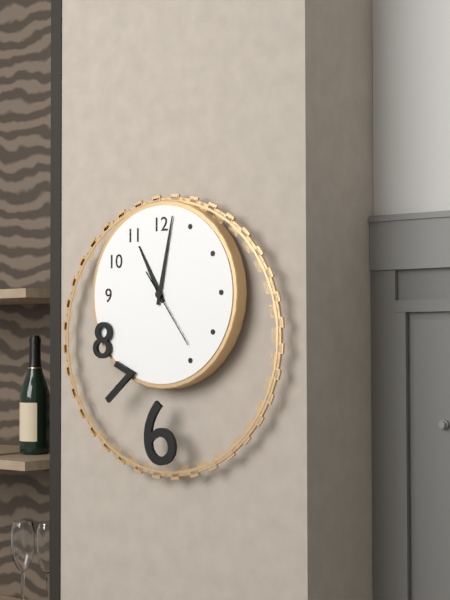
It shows 11:02:24
